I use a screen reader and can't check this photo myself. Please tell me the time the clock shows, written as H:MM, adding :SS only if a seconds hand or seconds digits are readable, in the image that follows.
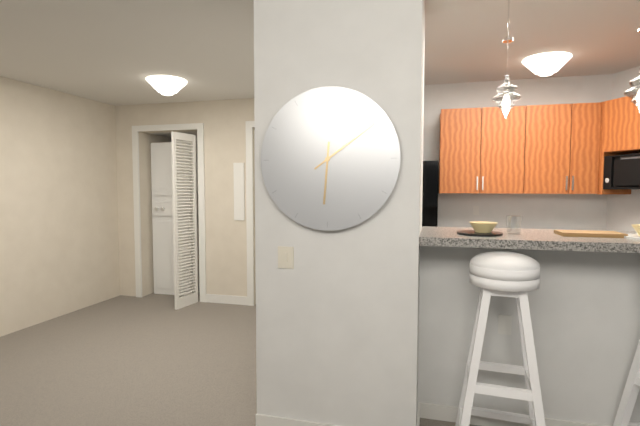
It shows 6:09
